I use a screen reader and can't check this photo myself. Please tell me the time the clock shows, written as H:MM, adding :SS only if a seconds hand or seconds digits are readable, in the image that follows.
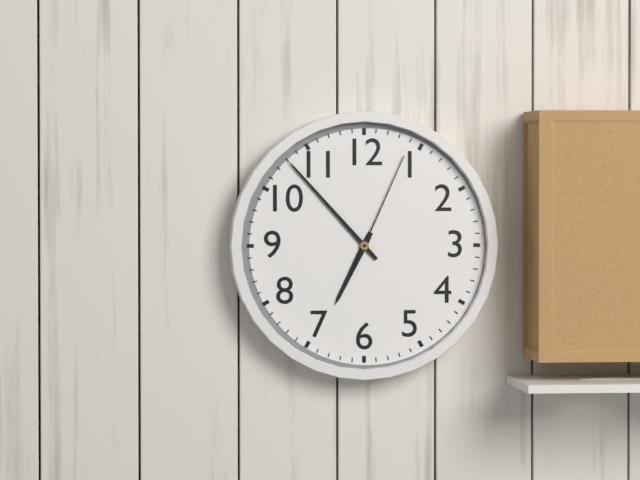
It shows 6:53:04
